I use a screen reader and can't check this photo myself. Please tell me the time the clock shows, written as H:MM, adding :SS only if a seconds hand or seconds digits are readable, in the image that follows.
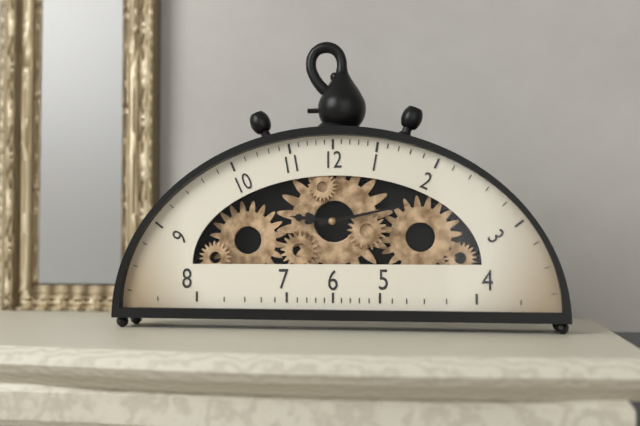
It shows 9:13
